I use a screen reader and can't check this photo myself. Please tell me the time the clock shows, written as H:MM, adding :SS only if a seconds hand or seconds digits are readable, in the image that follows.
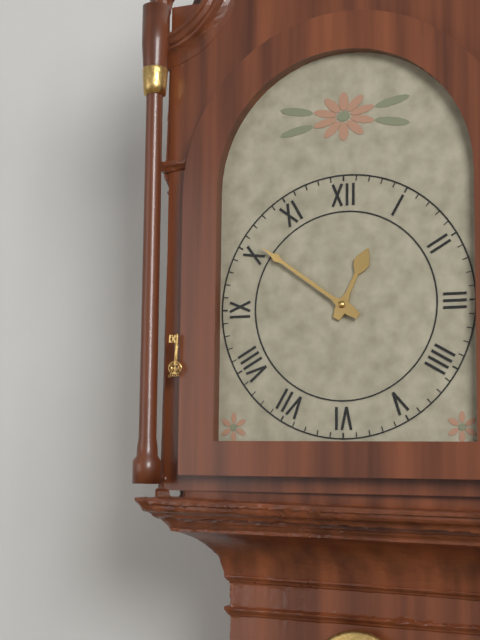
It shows 12:51
